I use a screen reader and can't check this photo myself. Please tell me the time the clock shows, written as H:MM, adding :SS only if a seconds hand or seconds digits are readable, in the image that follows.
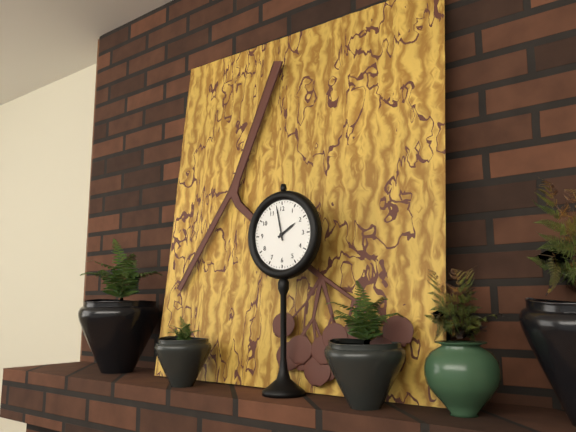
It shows 1:58
